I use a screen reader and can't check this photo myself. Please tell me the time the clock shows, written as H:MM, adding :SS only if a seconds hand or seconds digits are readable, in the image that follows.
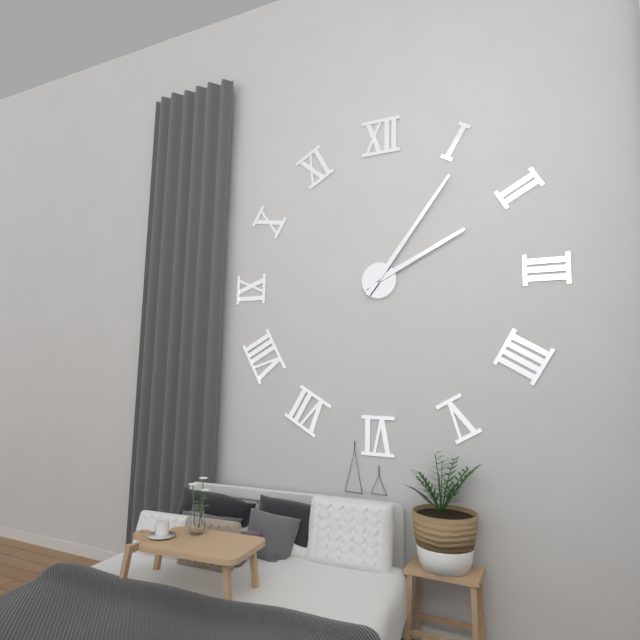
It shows 2:06
